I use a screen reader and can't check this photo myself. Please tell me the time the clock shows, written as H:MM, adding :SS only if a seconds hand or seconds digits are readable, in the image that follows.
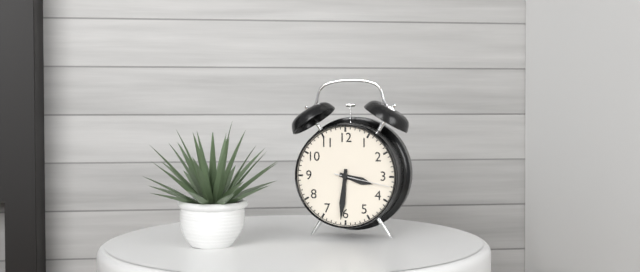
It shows 3:31:17
